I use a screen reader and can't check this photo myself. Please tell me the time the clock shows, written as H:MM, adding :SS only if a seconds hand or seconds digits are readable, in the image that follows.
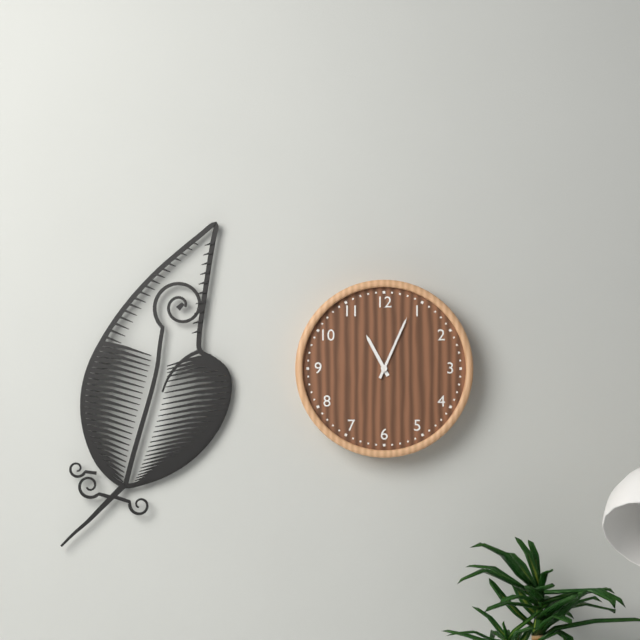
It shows 11:04
